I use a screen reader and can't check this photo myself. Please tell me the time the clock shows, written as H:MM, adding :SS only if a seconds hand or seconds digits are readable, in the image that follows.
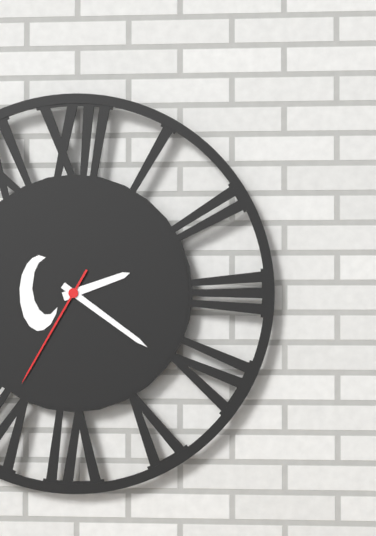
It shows 2:21:35
